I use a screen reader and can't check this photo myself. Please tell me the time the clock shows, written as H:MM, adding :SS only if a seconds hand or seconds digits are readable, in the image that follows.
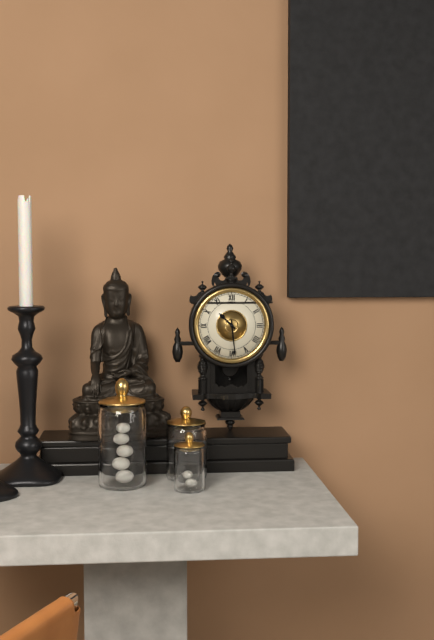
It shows 10:29
